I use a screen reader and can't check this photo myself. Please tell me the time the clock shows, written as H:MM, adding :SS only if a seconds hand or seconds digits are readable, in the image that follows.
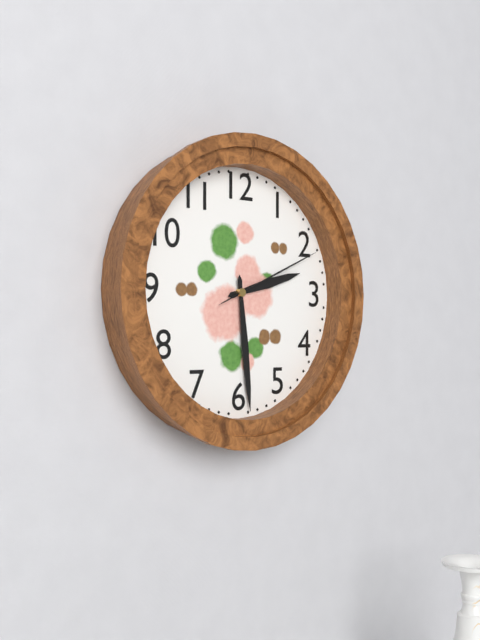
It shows 2:29:11
